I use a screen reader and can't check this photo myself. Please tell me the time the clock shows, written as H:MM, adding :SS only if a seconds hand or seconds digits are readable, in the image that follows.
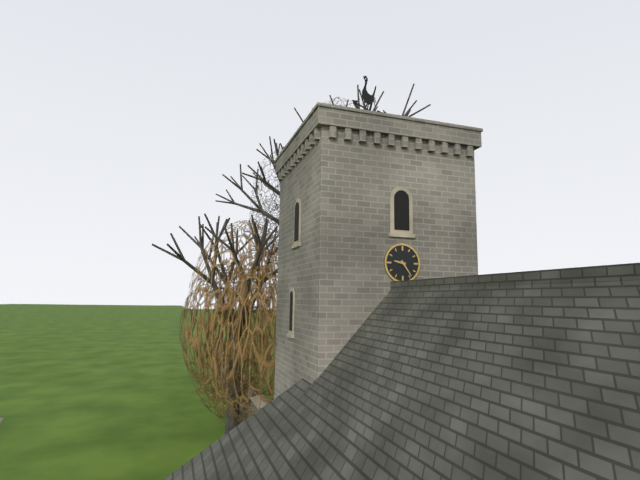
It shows 9:24
